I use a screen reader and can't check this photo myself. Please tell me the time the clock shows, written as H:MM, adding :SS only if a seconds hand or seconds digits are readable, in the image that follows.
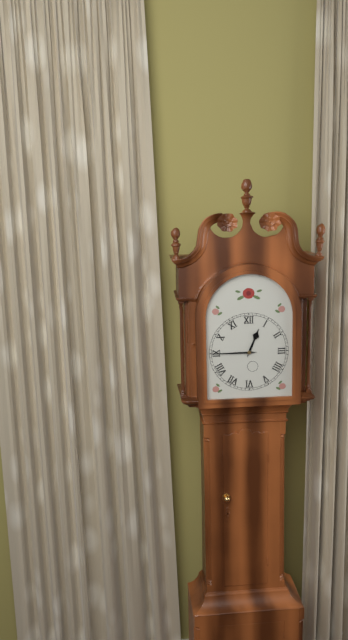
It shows 12:45
